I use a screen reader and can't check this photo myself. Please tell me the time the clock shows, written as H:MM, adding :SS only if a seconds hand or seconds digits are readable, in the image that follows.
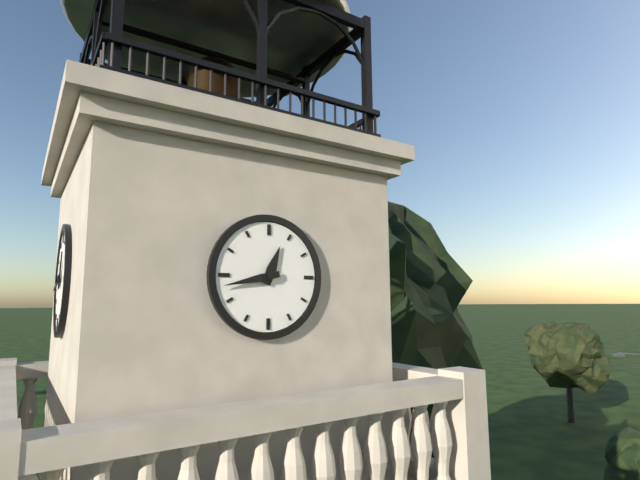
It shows 12:43
